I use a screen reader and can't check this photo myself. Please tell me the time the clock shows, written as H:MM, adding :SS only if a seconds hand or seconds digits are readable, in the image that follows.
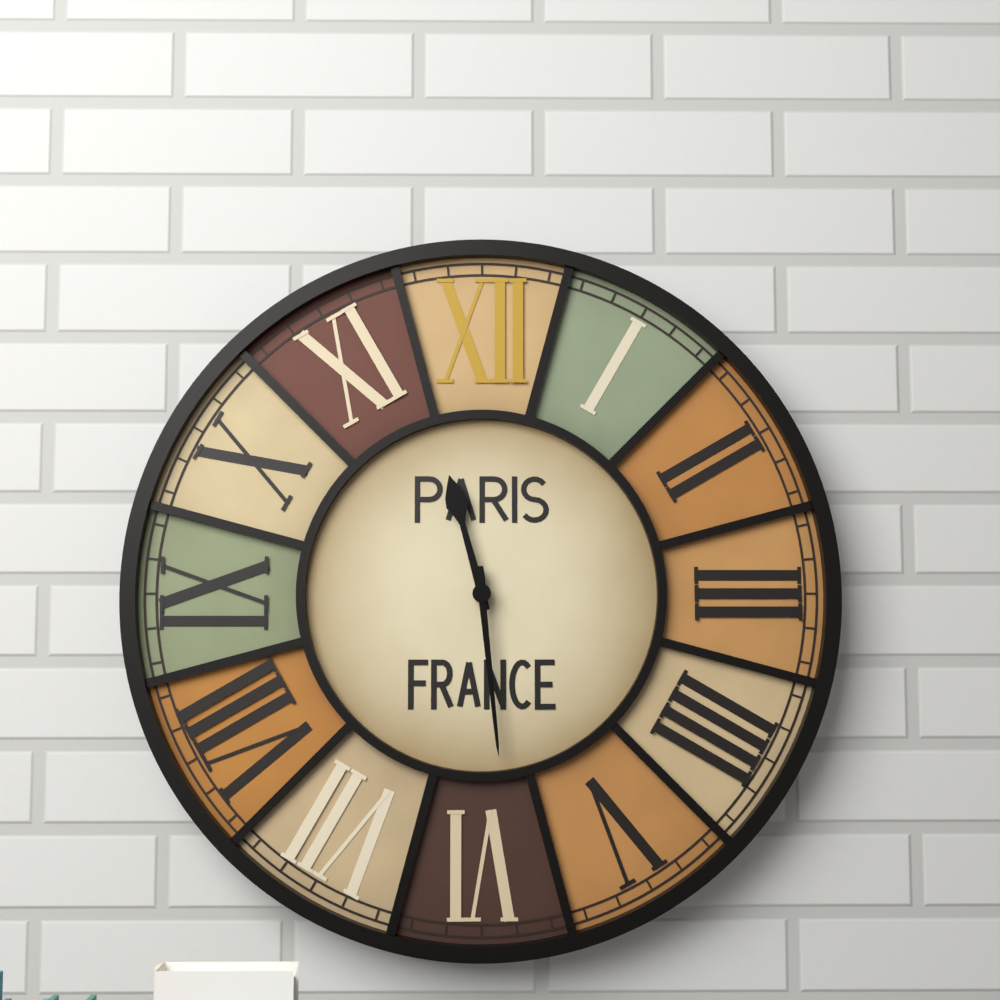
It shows 11:29
